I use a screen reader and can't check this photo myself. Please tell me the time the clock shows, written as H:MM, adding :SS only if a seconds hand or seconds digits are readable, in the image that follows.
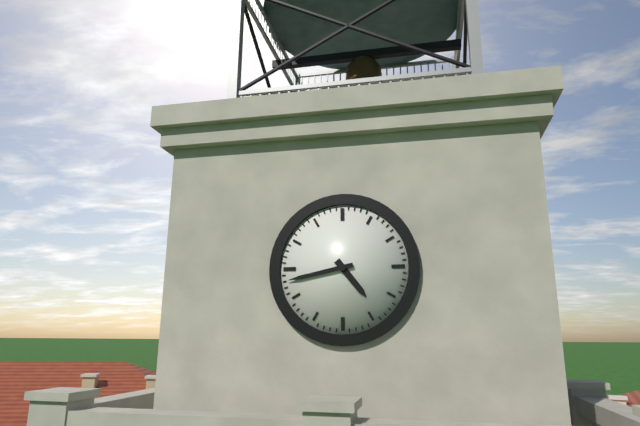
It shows 4:43
